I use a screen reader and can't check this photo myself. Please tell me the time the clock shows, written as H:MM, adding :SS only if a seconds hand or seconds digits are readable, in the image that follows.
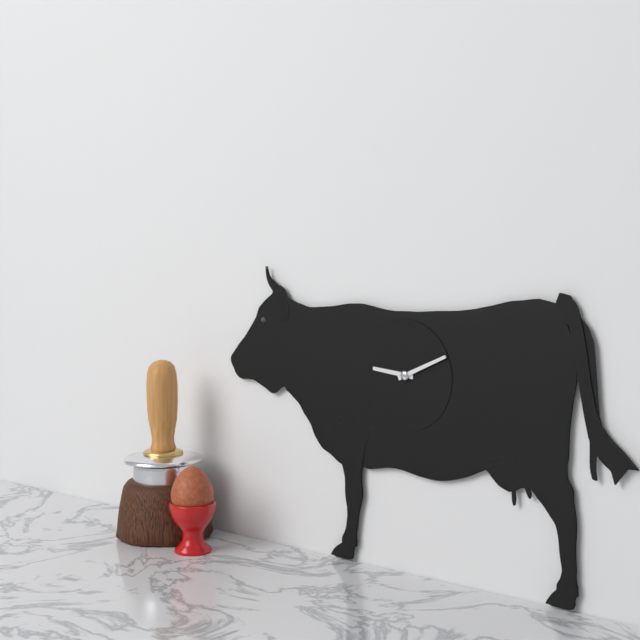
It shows 9:11
